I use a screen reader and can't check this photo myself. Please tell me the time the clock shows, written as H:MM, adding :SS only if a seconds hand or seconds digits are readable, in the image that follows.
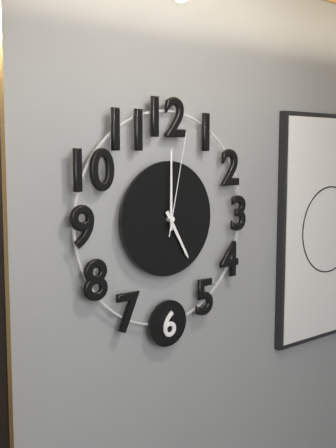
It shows 5:00:02
